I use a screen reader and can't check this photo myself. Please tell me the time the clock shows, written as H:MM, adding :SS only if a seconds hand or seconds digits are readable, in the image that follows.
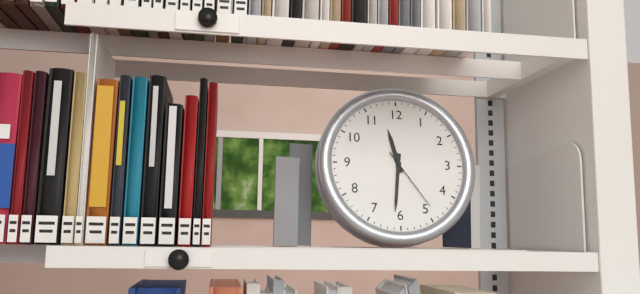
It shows 11:31:24
